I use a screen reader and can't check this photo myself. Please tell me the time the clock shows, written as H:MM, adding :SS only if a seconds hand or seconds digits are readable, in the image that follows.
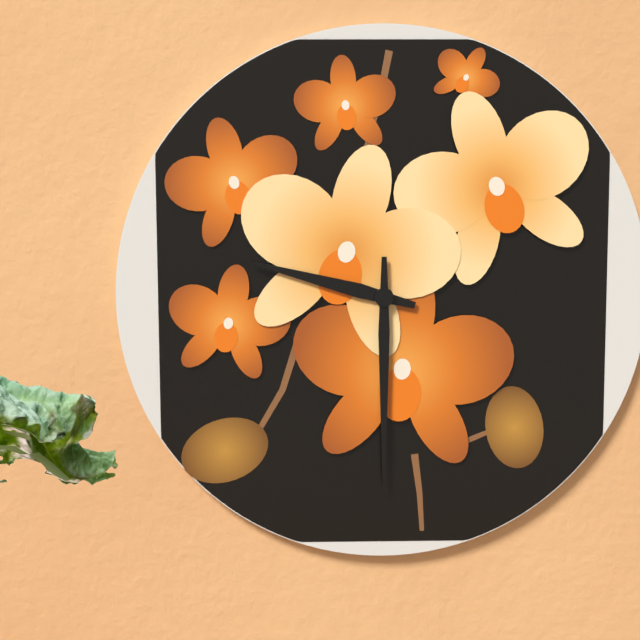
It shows 9:30
